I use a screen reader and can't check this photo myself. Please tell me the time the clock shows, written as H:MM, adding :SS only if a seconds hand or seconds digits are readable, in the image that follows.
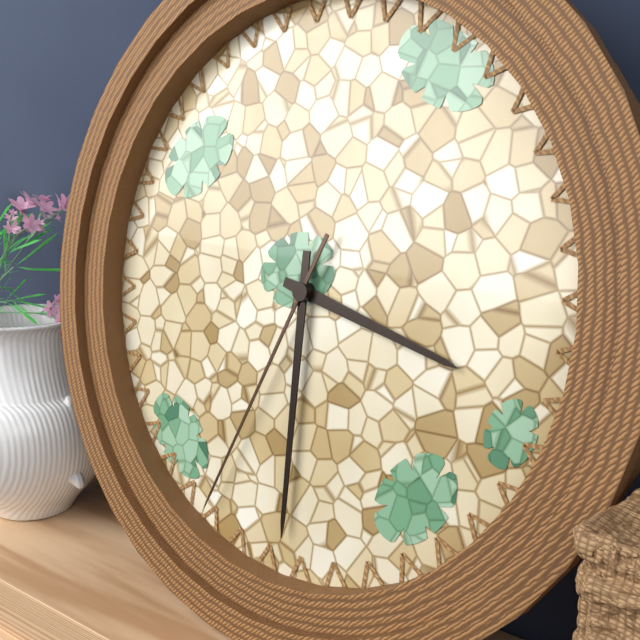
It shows 3:30:34
